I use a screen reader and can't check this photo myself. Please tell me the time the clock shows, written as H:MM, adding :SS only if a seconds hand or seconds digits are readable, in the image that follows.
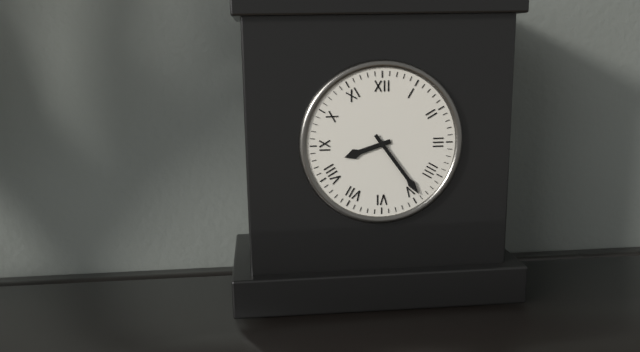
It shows 8:24
